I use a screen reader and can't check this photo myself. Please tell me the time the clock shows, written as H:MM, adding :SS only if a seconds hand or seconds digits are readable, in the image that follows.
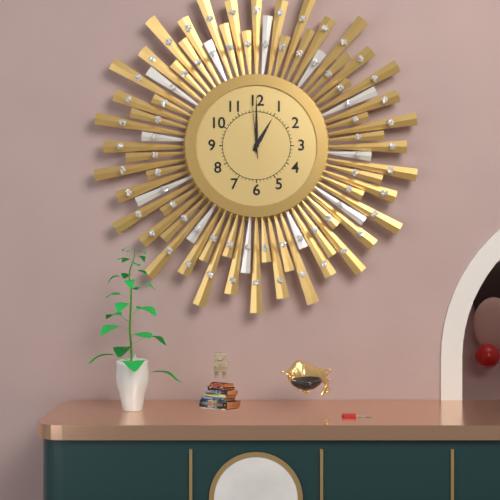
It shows 1:00:59
